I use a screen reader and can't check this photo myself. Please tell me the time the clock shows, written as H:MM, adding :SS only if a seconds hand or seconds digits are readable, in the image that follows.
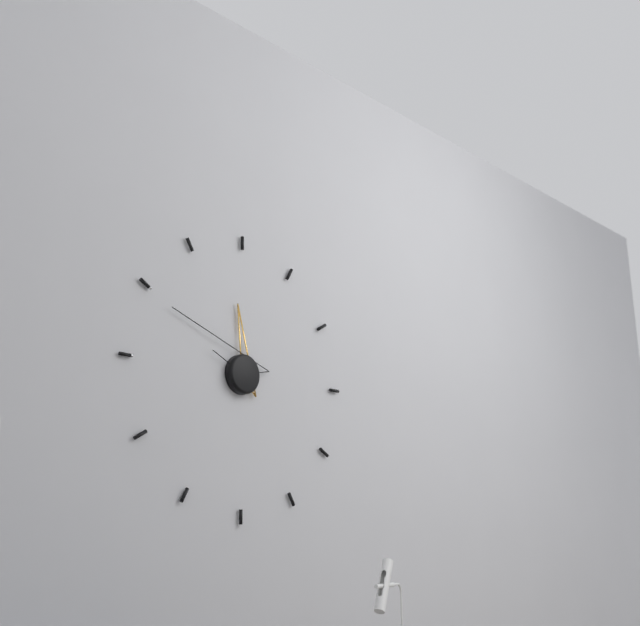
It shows 11:50
